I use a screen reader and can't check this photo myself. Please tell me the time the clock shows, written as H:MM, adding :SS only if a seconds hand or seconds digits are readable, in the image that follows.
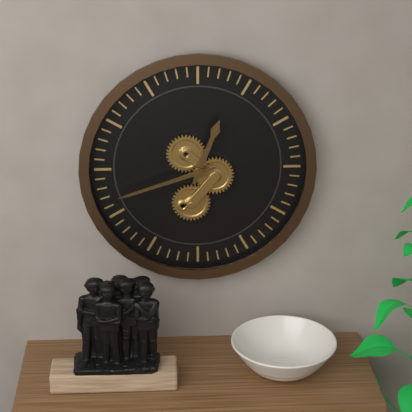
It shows 12:42
